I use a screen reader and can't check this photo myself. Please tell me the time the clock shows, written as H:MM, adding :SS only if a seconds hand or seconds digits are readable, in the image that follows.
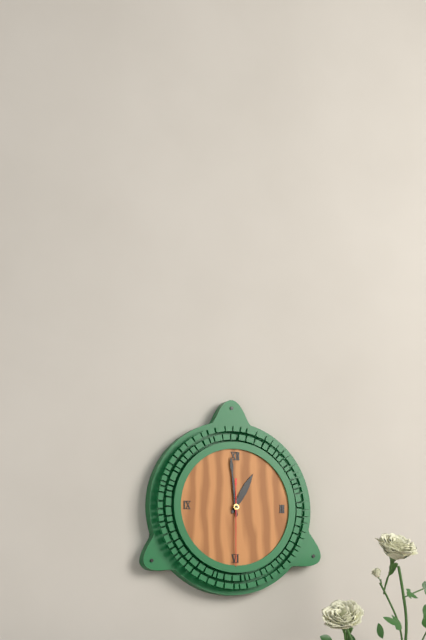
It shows 12:59:30
